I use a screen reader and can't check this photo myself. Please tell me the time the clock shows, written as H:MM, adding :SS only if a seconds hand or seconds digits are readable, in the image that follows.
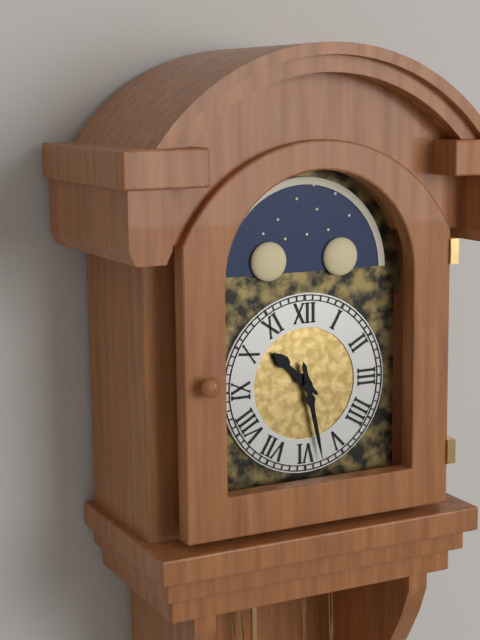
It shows 10:28
